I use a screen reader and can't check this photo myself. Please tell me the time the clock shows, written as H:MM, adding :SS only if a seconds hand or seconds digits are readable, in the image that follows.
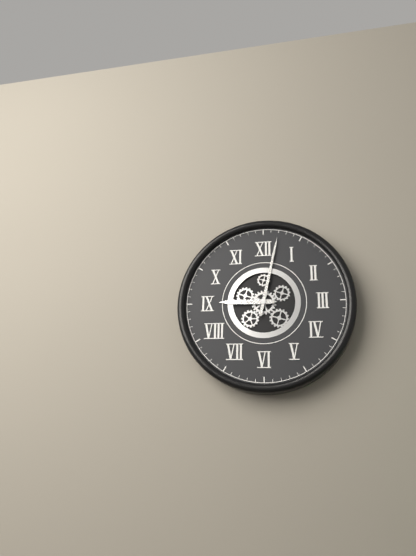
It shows 9:02
